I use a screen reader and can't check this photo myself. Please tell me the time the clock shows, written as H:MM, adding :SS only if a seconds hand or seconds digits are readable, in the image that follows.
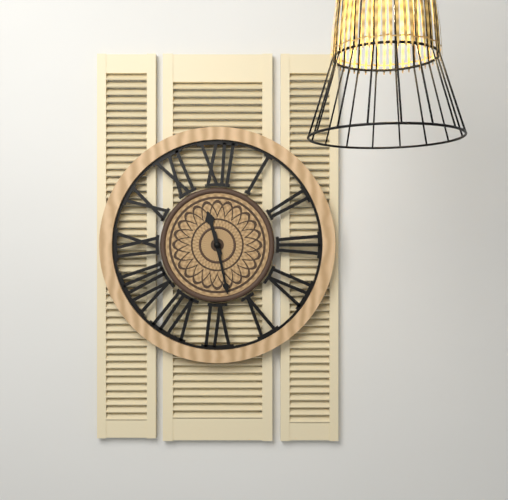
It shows 11:28
